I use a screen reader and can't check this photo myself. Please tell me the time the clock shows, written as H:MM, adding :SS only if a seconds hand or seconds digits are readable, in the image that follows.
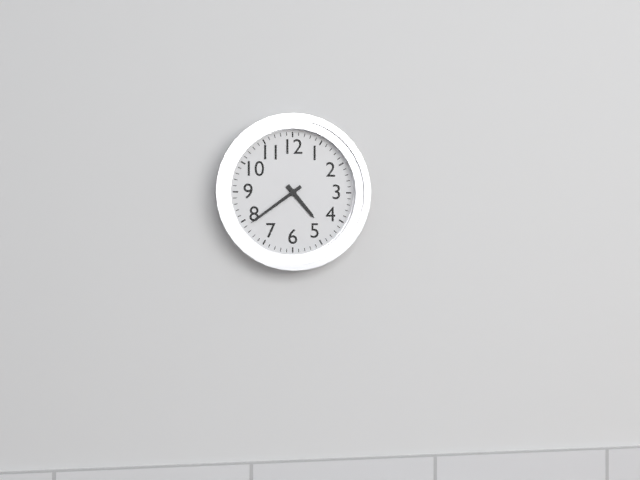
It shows 4:39
